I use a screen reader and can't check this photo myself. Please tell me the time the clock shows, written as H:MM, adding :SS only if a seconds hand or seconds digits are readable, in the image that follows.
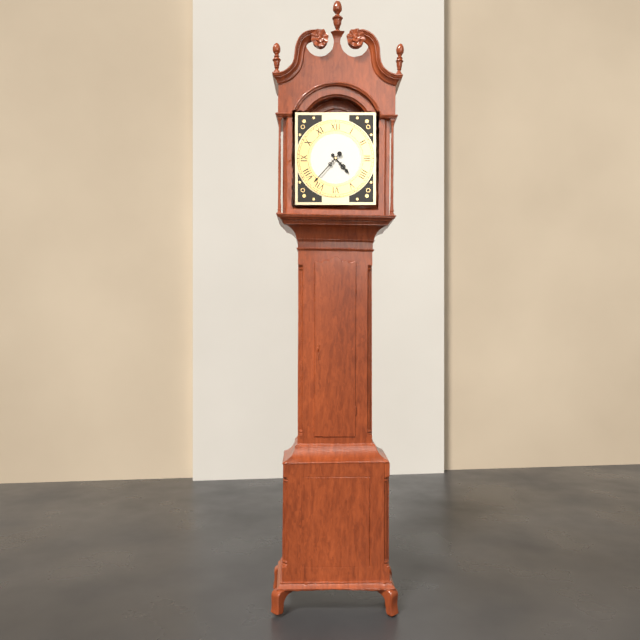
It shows 4:37
